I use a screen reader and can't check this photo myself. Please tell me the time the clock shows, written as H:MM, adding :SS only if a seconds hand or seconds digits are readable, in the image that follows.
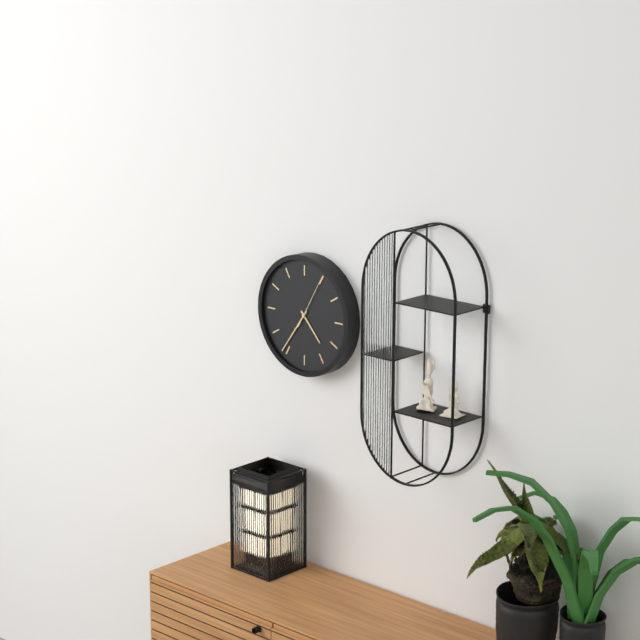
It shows 4:36:05
